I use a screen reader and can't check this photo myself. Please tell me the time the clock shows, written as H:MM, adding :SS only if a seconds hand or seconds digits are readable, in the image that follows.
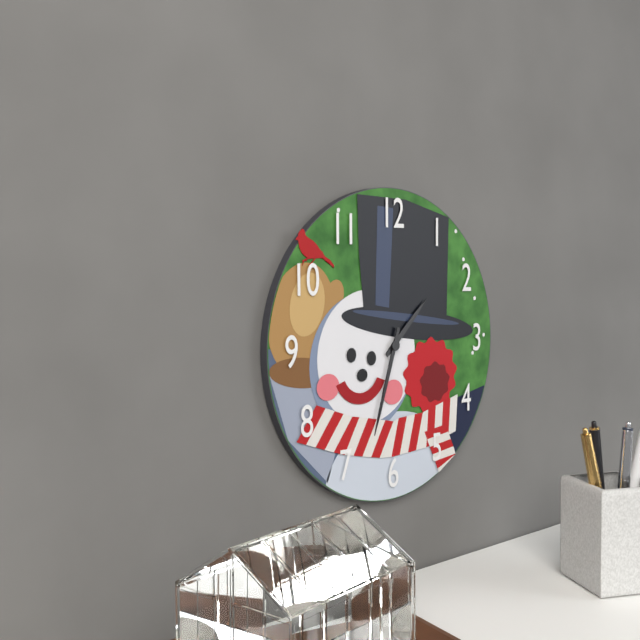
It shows 1:33
